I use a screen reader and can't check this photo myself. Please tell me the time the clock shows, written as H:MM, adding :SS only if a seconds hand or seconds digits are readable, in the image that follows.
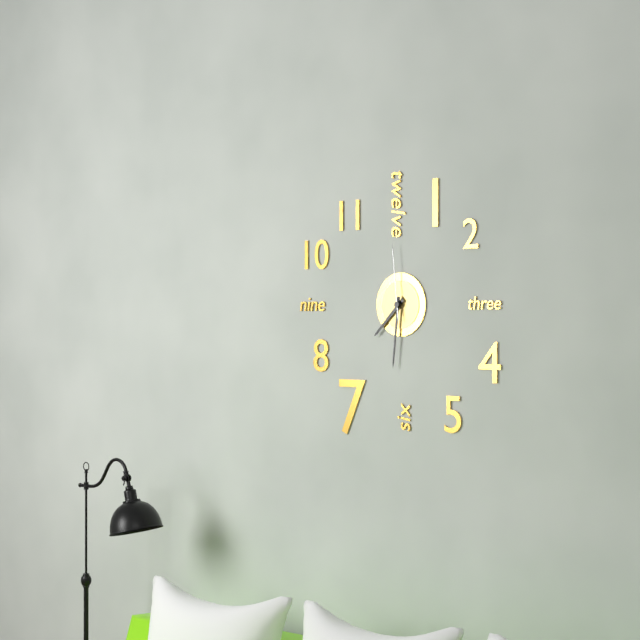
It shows 7:31:59
